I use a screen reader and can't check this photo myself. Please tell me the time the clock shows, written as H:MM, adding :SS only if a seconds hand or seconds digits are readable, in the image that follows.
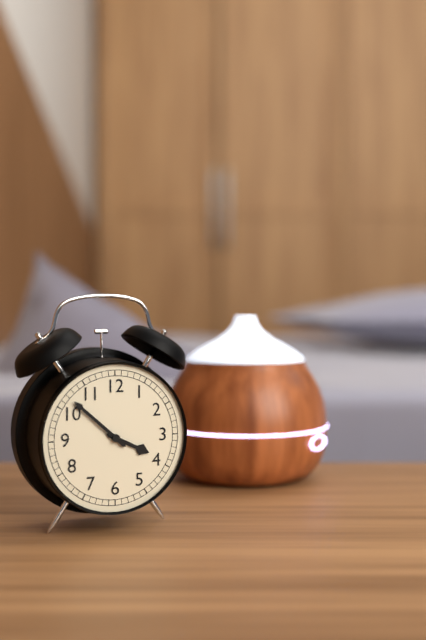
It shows 3:52
